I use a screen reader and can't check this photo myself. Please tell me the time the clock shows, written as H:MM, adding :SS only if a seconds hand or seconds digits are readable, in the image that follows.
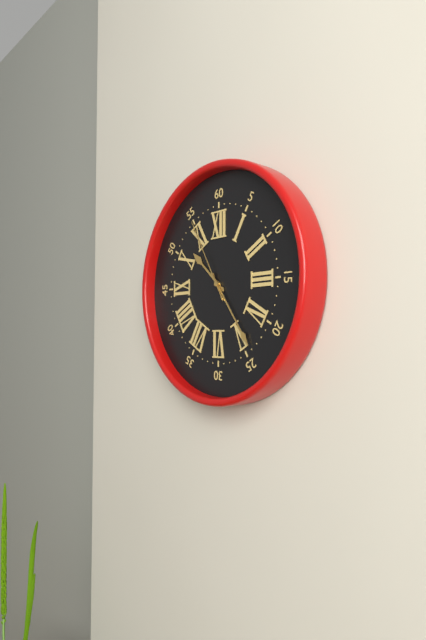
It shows 10:24:55
